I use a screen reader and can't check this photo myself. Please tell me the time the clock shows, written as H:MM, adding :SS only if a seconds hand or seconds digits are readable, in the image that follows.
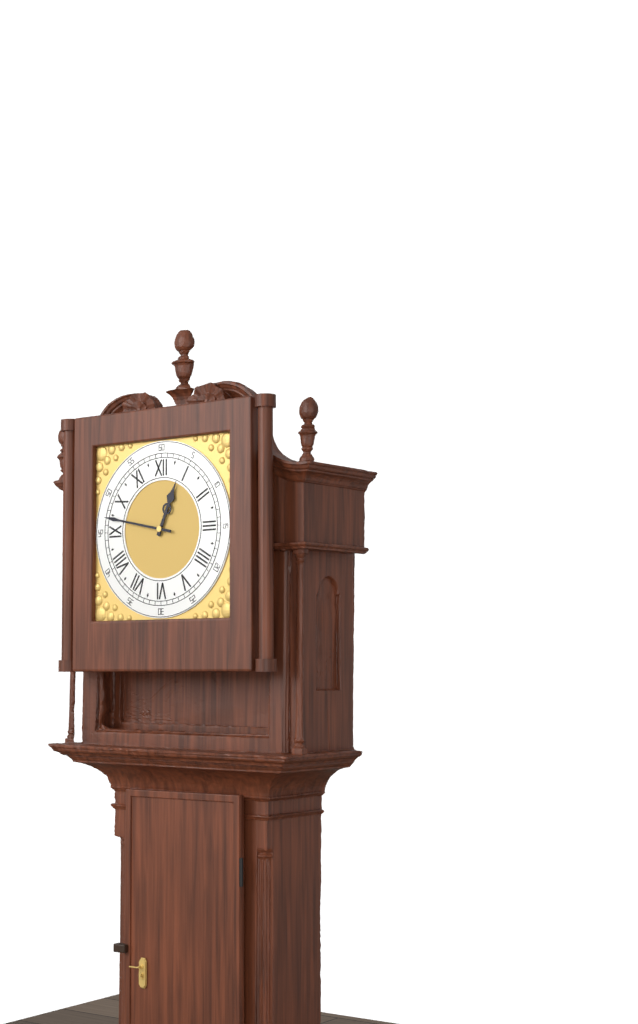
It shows 12:47
